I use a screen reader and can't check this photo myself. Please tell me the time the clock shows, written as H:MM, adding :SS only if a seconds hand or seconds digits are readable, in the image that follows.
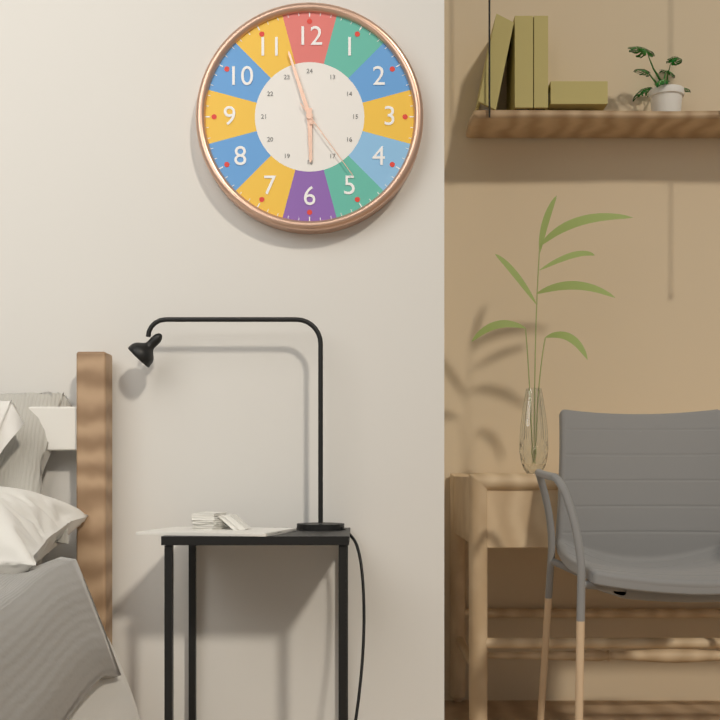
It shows 5:57:24
